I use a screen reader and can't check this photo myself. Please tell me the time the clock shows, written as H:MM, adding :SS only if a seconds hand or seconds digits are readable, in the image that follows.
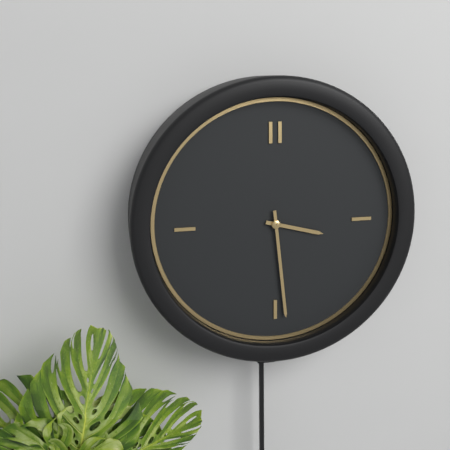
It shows 3:29
